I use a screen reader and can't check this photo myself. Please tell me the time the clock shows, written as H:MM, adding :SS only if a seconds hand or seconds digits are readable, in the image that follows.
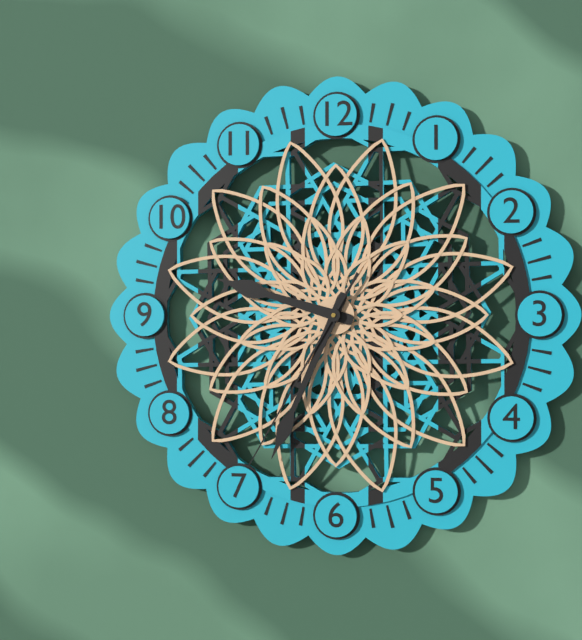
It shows 9:34:35
